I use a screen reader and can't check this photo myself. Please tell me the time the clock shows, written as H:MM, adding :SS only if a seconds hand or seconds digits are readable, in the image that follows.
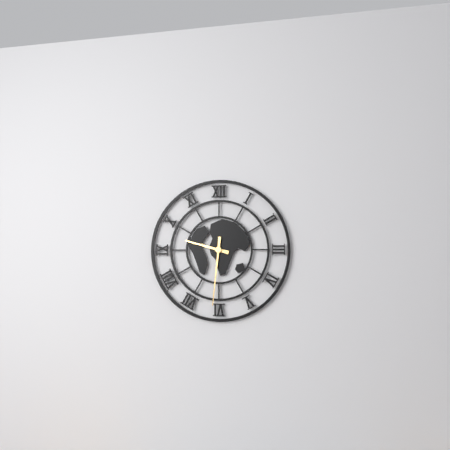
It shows 9:31
